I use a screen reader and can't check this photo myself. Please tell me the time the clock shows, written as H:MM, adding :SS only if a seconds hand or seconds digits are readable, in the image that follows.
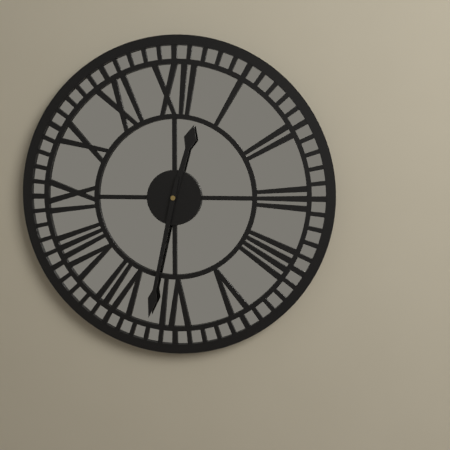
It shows 12:32
